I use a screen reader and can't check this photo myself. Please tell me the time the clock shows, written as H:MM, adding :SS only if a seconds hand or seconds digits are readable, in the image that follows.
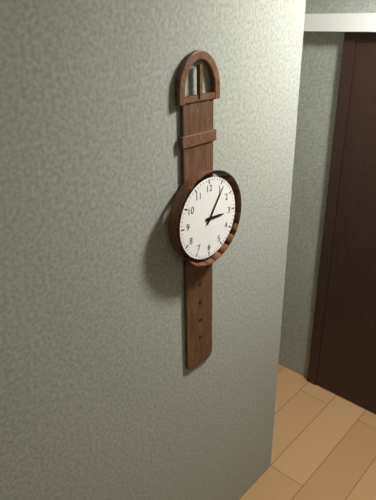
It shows 3:06
